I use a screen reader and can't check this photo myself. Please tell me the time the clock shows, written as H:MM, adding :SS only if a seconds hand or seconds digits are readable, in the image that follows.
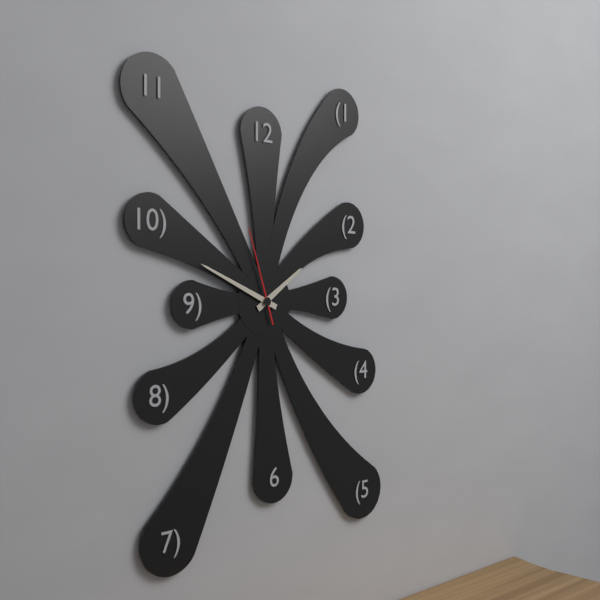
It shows 1:49:57
